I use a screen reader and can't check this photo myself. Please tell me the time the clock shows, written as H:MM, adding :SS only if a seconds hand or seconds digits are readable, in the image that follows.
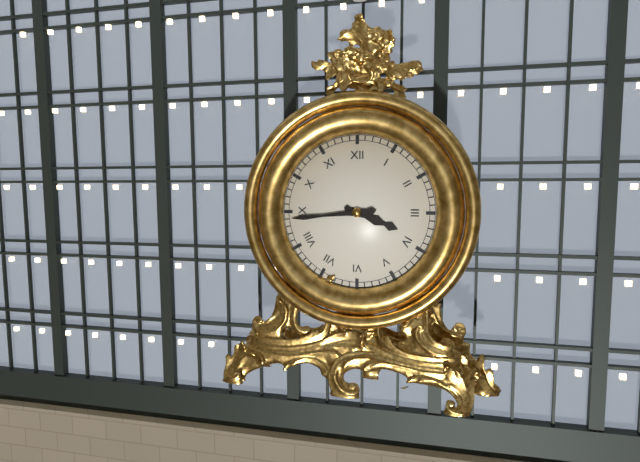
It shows 3:44
